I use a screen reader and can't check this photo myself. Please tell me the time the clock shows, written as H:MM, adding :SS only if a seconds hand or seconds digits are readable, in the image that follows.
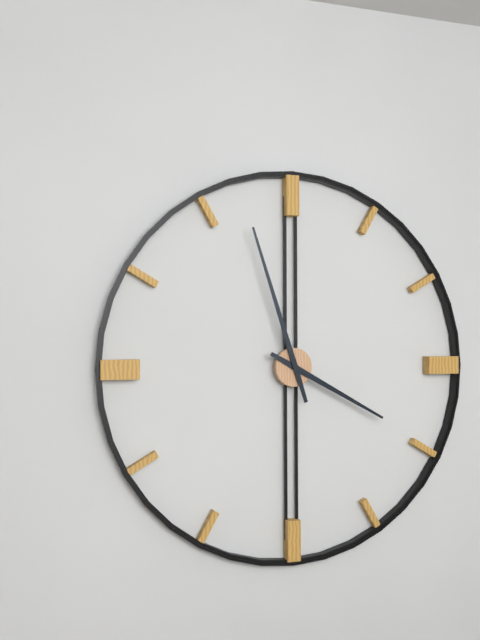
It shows 3:57
